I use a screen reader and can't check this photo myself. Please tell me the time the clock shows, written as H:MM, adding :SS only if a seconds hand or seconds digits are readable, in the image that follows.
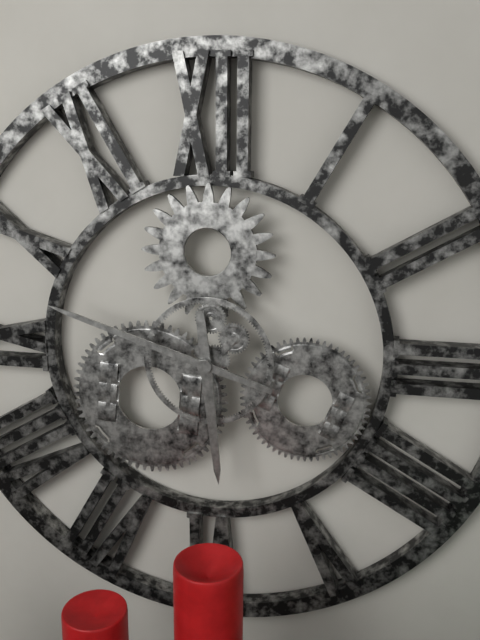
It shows 5:48
